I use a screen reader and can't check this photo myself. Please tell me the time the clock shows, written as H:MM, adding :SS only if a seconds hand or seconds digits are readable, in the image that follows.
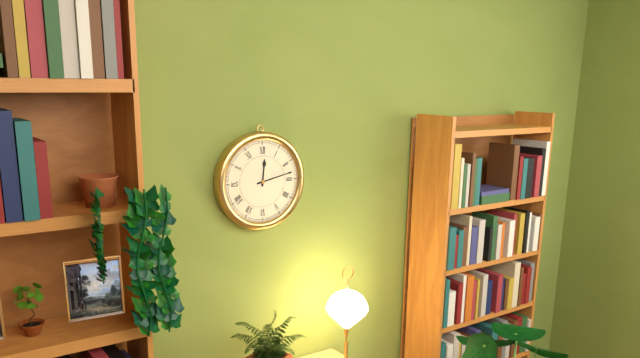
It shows 12:13
